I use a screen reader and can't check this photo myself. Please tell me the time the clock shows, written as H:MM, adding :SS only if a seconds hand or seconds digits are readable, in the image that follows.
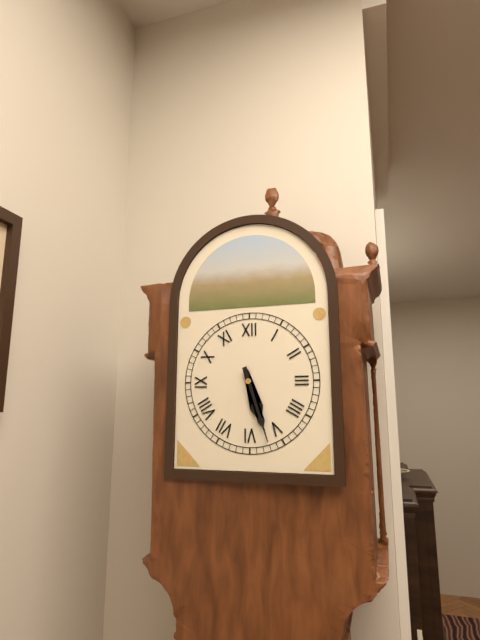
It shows 5:27
